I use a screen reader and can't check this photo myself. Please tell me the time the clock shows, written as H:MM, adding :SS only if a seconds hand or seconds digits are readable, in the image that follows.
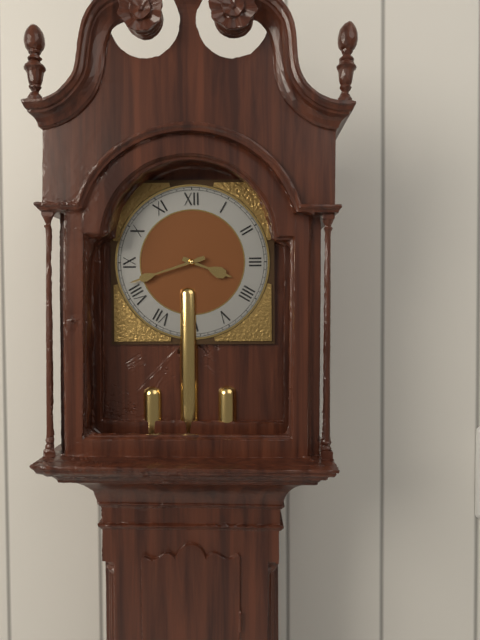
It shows 3:42
